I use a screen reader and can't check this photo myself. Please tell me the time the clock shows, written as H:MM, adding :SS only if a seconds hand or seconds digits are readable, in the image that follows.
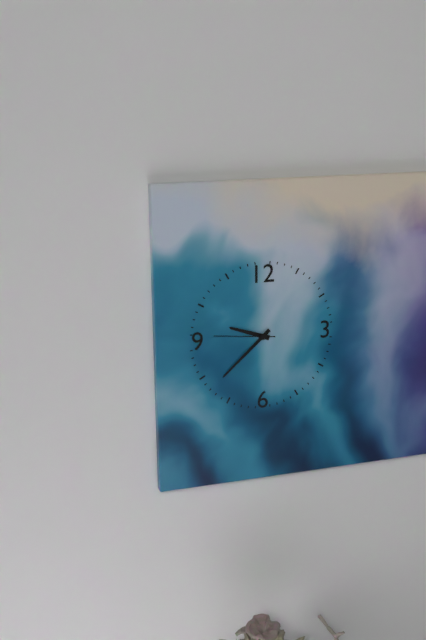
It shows 9:38:46
